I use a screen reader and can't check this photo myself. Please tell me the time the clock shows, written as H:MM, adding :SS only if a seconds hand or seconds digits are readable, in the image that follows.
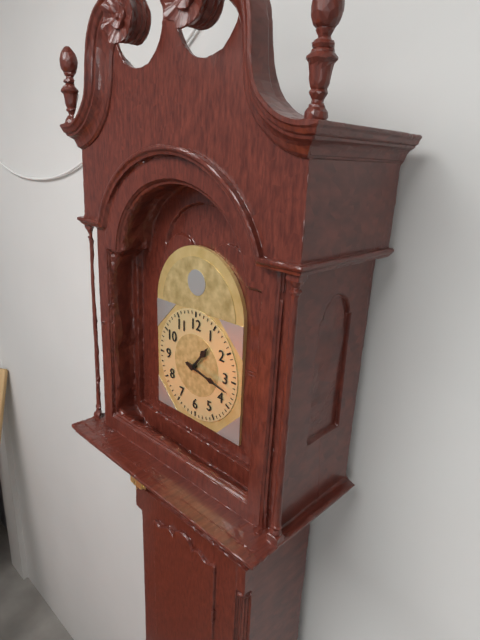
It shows 1:17
